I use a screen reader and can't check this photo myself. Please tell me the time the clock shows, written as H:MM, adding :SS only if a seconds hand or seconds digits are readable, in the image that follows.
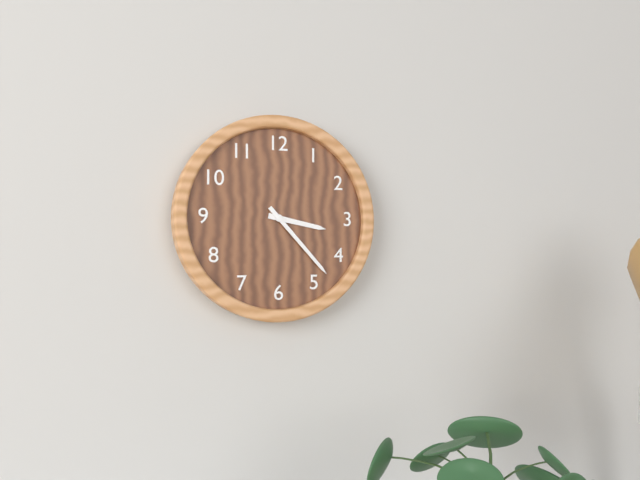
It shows 3:23
